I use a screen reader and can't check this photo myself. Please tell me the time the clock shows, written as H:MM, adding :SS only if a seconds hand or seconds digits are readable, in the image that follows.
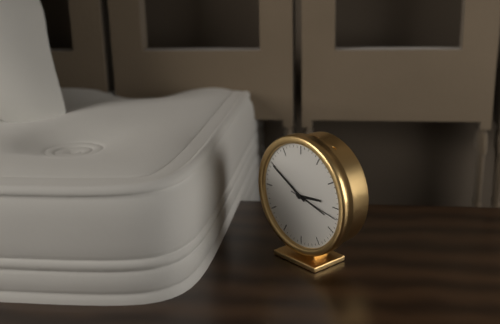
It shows 2:50:17
